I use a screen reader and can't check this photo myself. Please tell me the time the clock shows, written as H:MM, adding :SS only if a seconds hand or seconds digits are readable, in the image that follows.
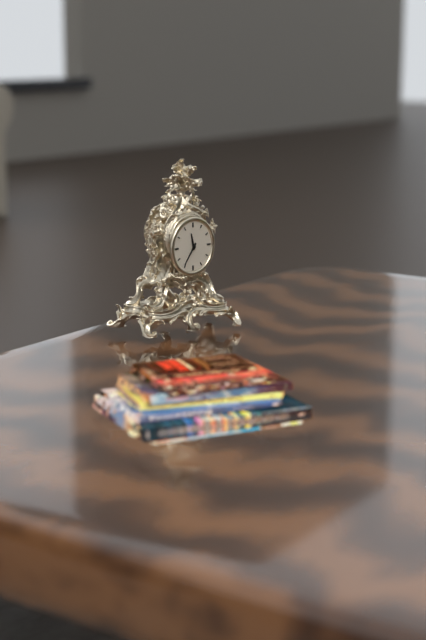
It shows 11:36
